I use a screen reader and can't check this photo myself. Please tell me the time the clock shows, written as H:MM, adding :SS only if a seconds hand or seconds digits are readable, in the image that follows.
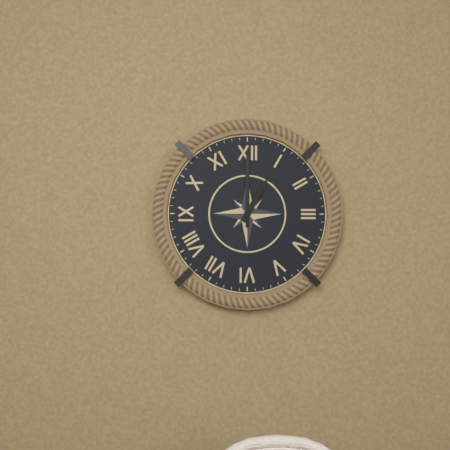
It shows 1:00
